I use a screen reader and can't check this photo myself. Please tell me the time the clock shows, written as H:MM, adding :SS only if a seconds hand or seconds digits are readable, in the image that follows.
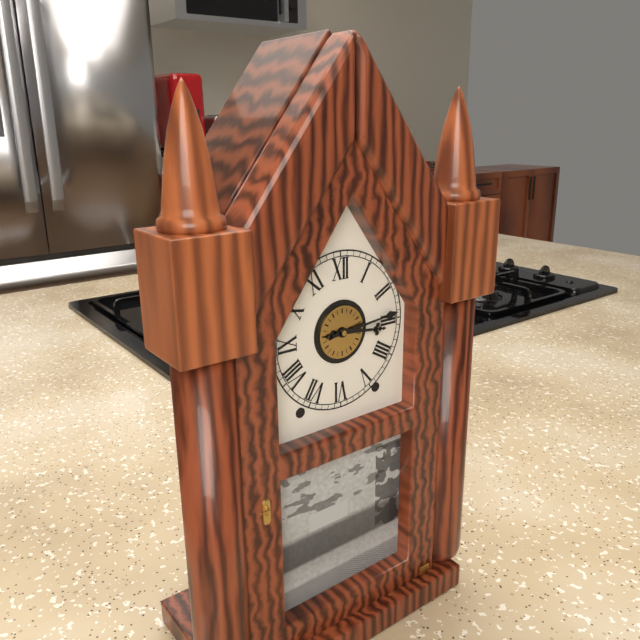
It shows 3:14
